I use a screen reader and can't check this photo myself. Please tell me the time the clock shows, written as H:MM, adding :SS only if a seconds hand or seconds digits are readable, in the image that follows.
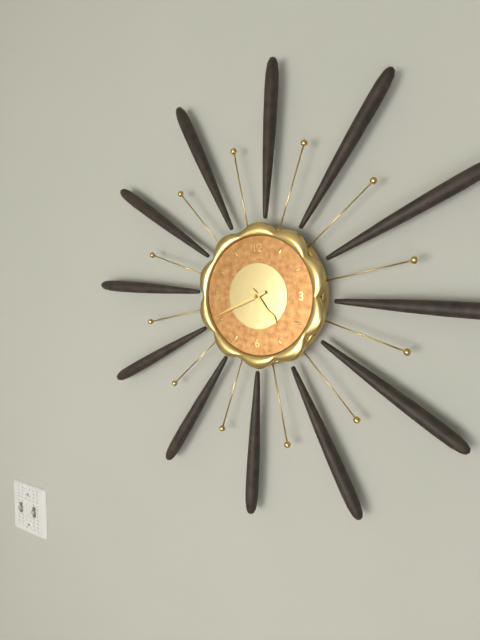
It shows 4:41
